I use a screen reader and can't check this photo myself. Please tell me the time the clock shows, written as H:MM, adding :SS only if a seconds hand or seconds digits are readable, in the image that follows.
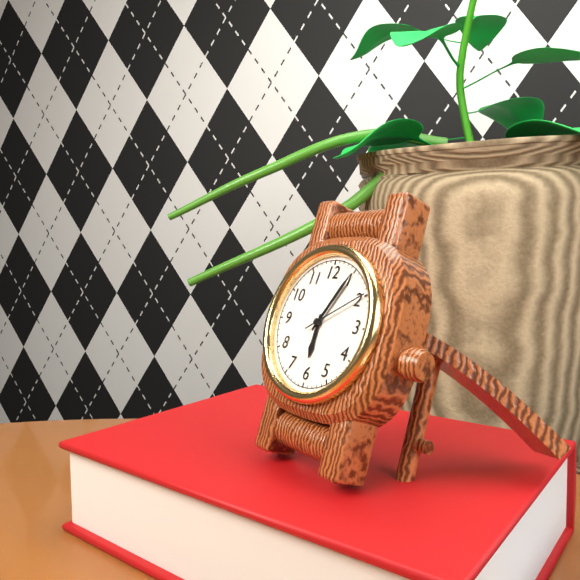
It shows 6:05:10
